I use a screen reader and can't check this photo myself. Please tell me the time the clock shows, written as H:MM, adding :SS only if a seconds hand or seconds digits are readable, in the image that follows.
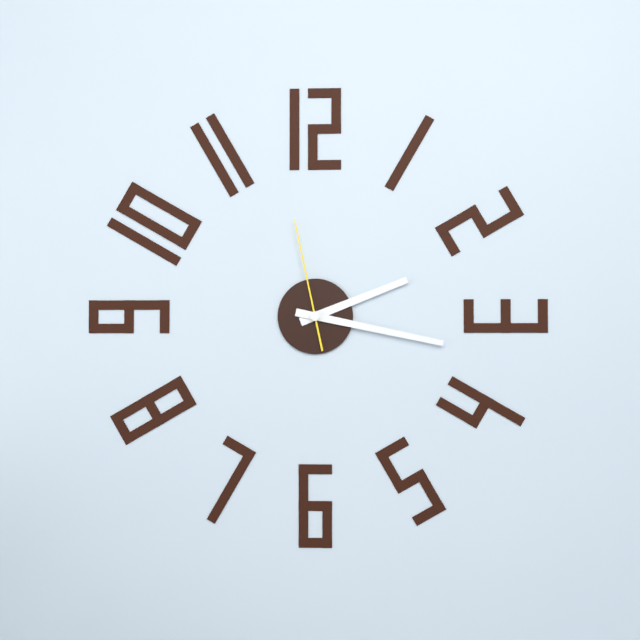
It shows 2:17:58
